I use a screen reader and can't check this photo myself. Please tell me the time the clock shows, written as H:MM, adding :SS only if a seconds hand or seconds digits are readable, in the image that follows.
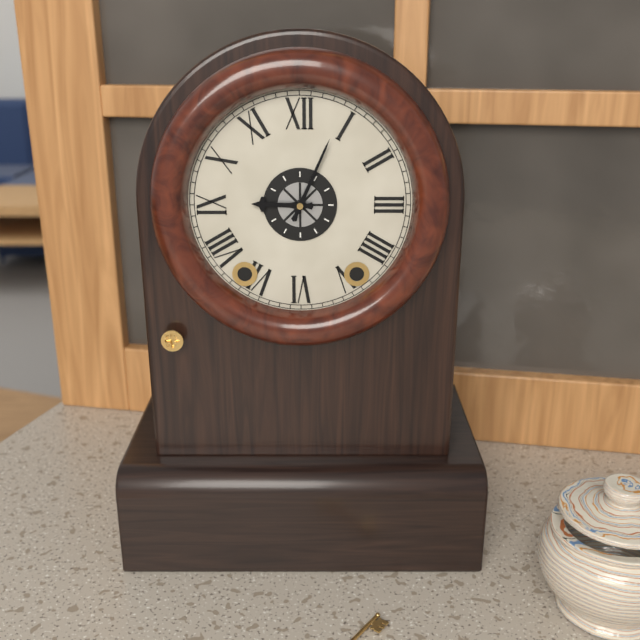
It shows 9:04
